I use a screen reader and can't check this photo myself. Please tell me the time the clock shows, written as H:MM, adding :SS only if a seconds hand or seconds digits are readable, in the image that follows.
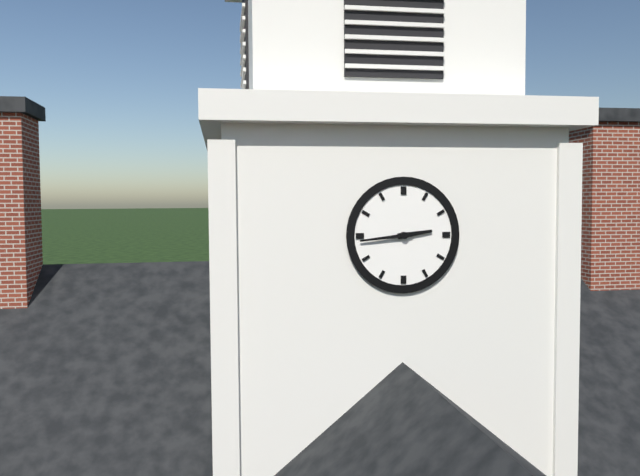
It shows 2:44
